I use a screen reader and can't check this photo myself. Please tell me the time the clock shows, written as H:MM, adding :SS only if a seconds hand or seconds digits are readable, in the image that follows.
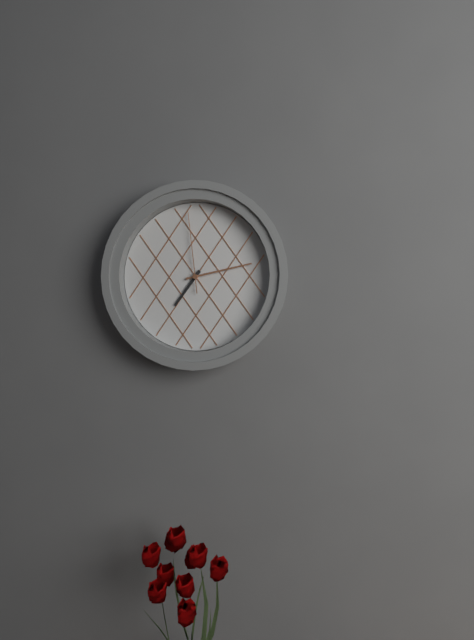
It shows 7:13:59
